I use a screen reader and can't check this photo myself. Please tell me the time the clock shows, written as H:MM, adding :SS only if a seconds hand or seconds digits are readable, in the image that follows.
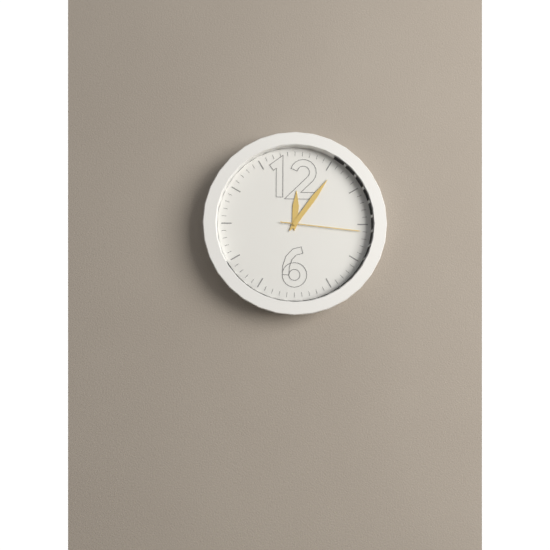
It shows 12:06:16
